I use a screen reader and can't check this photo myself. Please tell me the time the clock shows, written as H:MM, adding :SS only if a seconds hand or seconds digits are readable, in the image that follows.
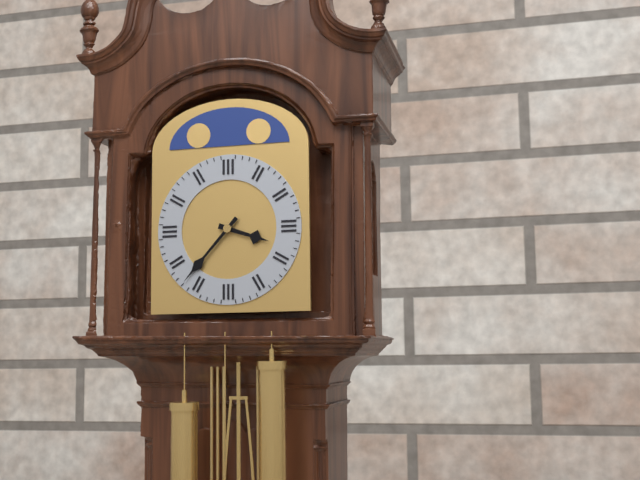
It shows 3:37
